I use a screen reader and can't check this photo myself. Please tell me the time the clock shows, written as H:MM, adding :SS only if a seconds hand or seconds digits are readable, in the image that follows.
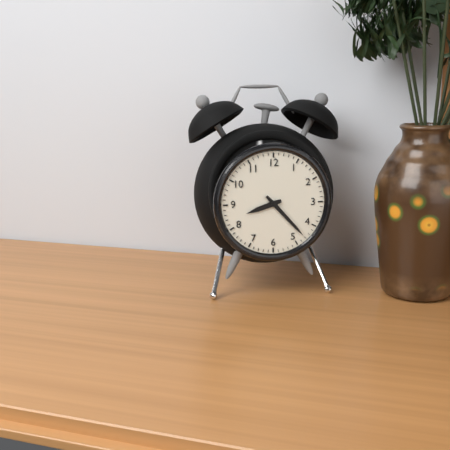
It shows 8:23
